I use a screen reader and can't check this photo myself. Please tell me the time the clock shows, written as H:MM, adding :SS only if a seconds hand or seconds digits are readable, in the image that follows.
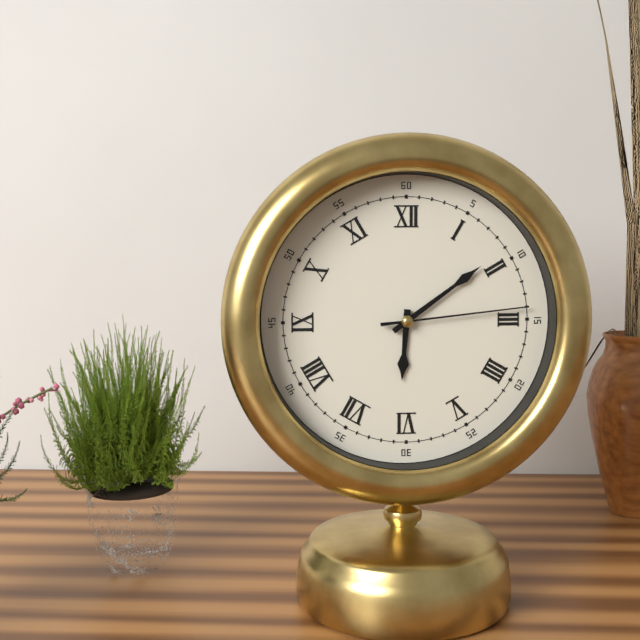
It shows 6:09:14
